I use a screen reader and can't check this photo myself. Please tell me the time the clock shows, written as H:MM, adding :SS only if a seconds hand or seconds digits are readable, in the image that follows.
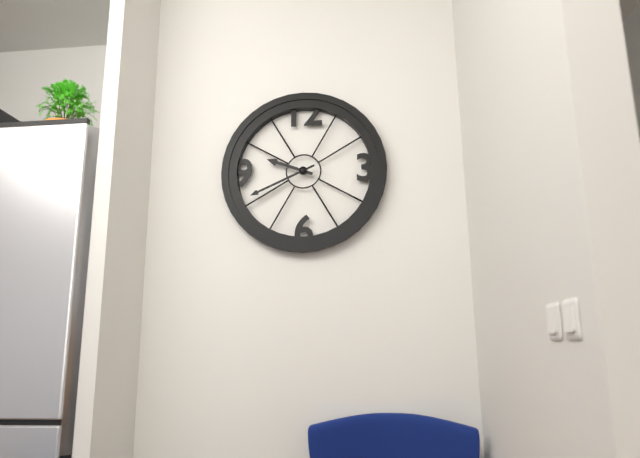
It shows 9:41
